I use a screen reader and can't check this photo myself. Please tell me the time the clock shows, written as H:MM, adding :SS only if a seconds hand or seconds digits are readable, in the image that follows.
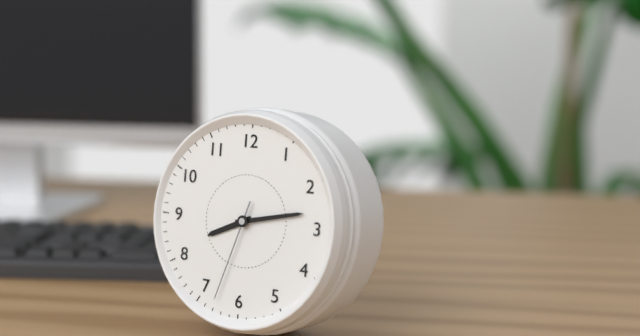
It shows 8:13:33
